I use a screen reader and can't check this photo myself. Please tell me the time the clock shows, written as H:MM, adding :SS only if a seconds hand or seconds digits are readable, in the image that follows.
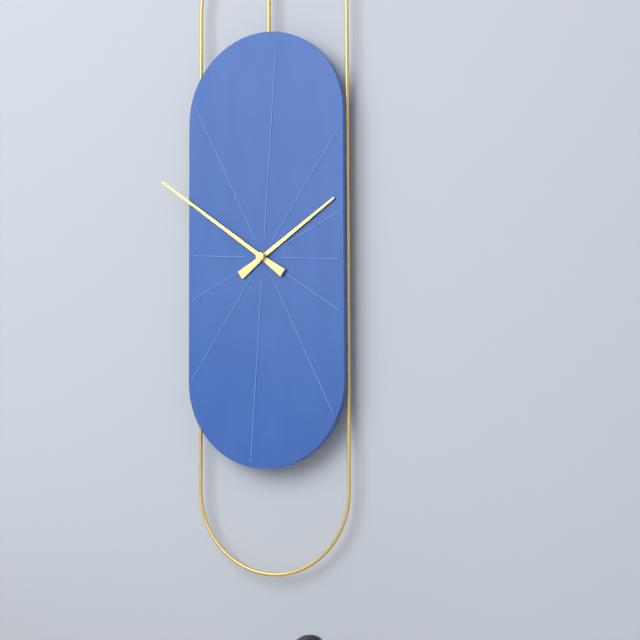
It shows 1:51
